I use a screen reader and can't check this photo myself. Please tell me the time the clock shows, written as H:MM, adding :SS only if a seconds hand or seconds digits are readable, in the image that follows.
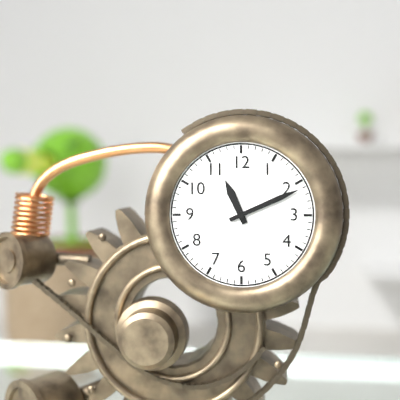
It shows 11:11
